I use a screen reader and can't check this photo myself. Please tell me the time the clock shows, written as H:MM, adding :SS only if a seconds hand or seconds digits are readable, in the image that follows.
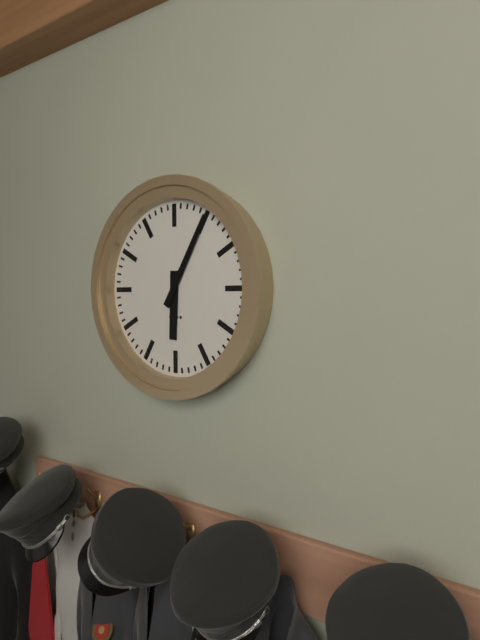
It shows 6:05
